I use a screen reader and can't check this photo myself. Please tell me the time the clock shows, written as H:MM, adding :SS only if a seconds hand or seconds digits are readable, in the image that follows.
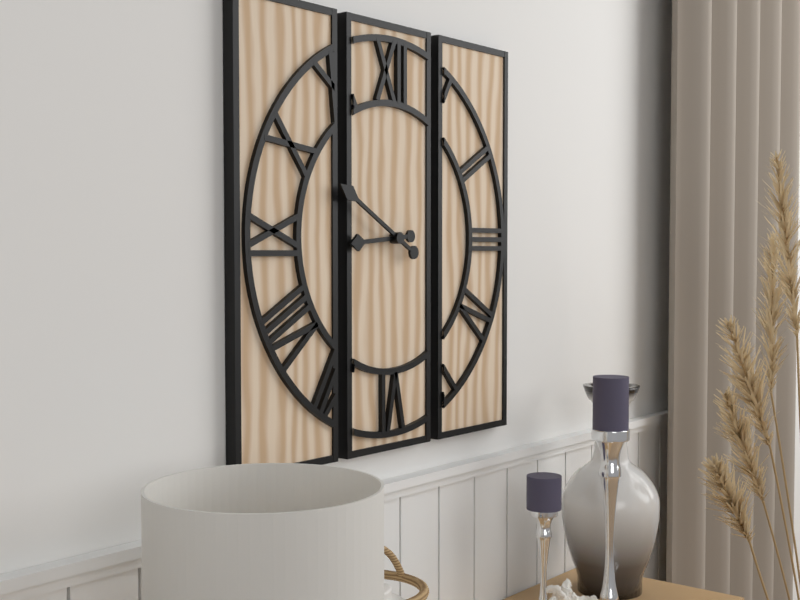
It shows 8:50
